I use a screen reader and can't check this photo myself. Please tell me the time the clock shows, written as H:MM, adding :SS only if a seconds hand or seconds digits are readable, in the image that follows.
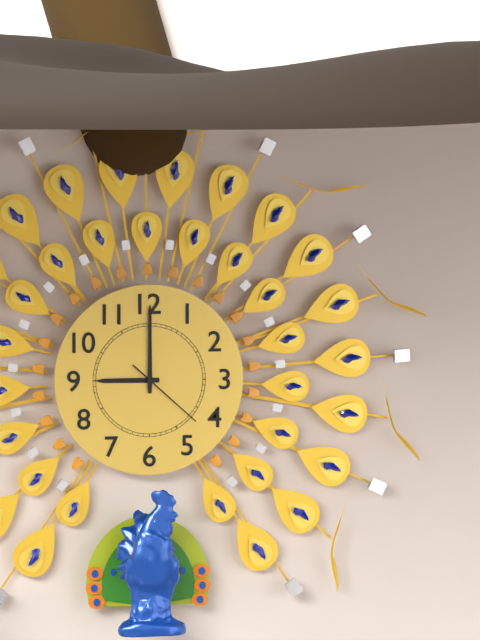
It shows 9:00:22
